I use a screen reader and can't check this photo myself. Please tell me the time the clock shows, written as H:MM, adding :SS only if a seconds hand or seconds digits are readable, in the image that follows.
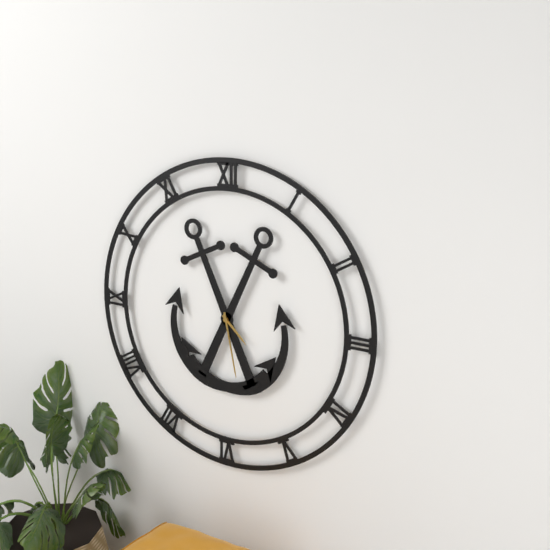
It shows 4:28
